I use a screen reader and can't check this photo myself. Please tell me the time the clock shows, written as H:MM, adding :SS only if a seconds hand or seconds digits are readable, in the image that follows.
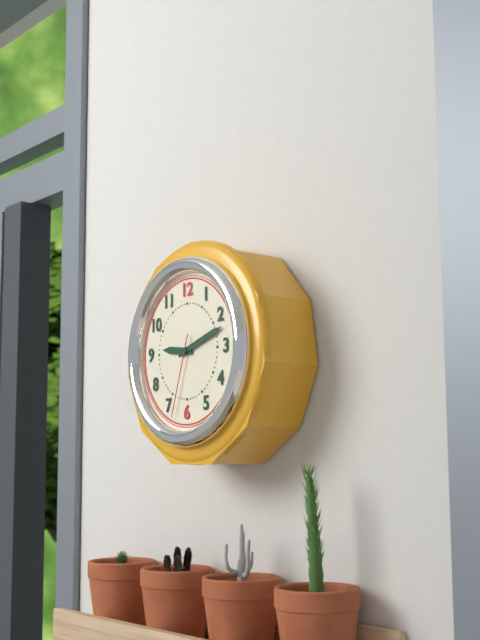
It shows 9:12:33
